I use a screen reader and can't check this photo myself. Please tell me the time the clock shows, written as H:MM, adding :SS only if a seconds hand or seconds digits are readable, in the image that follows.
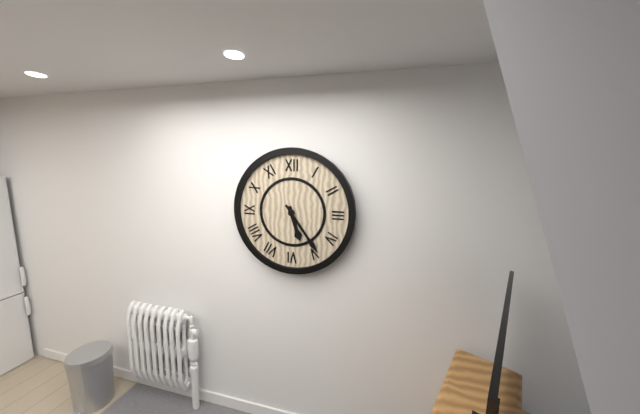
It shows 5:24
